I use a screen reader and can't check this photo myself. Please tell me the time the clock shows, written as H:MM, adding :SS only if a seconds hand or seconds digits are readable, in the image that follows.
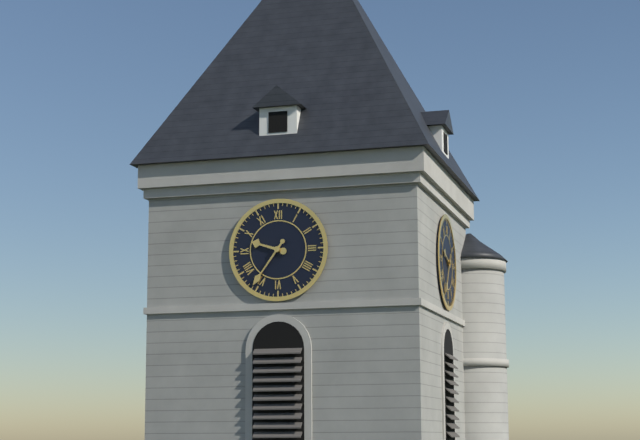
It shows 9:36
